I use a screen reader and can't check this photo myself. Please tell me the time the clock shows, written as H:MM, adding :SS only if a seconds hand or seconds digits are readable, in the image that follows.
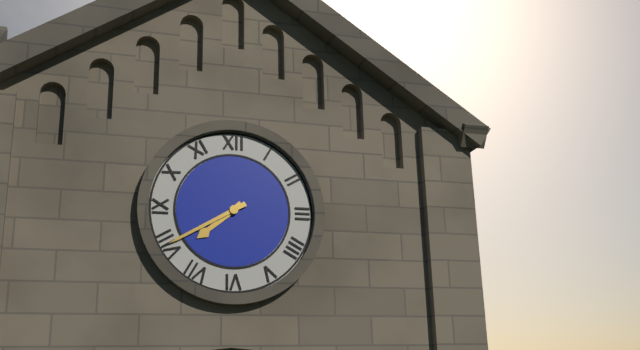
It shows 7:40
